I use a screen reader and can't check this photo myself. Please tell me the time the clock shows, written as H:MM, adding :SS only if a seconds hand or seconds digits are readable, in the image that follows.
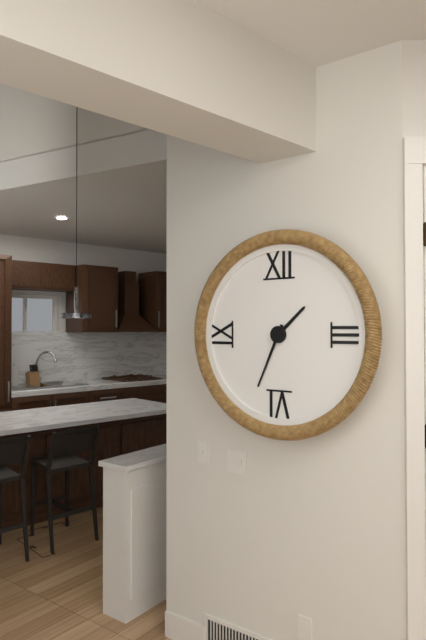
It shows 1:34
